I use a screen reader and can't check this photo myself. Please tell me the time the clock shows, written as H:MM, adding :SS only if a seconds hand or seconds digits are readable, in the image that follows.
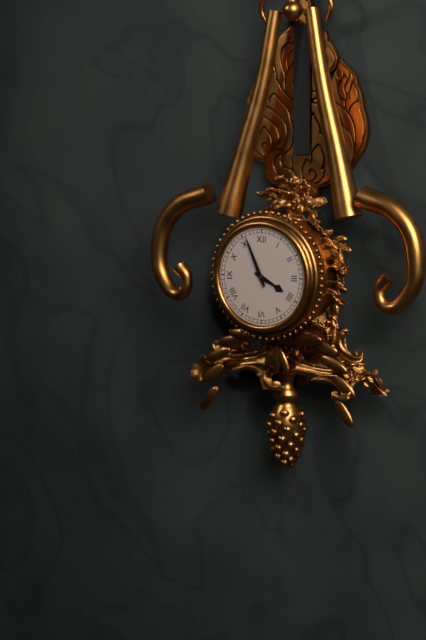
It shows 3:56
